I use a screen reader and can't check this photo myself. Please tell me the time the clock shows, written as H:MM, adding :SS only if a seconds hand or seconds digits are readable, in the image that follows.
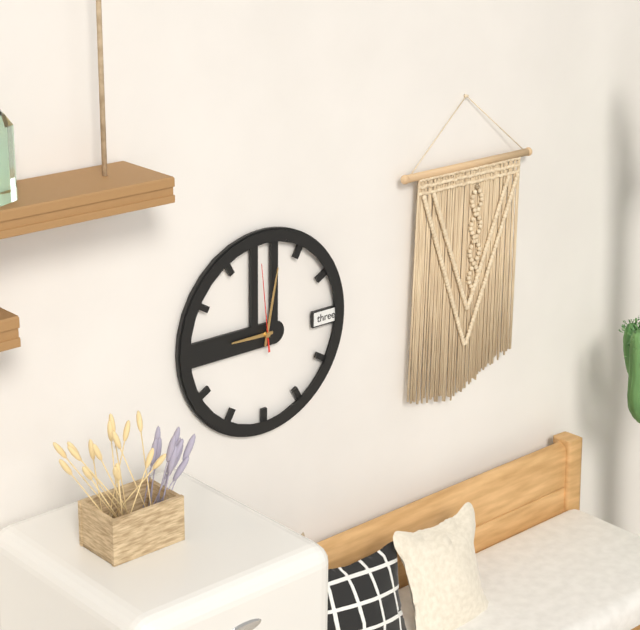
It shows 9:02:59
